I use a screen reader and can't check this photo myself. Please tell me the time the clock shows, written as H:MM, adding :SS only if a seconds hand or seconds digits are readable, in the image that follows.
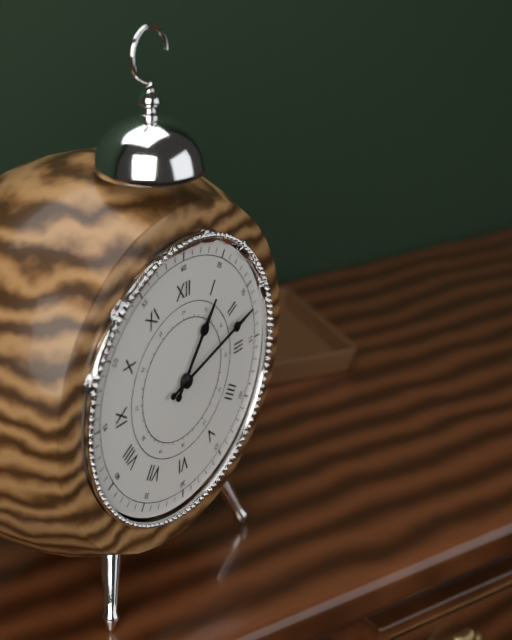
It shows 1:12
